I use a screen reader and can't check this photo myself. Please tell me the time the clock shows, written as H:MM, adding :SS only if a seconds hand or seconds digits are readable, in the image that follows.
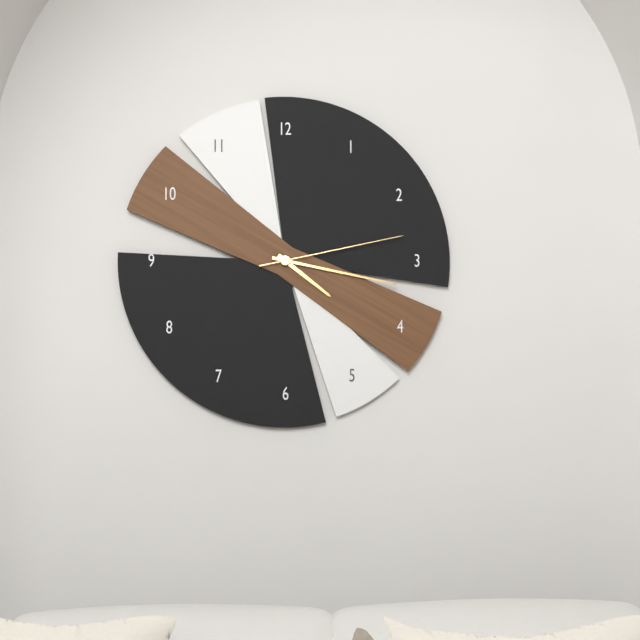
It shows 4:17:13
